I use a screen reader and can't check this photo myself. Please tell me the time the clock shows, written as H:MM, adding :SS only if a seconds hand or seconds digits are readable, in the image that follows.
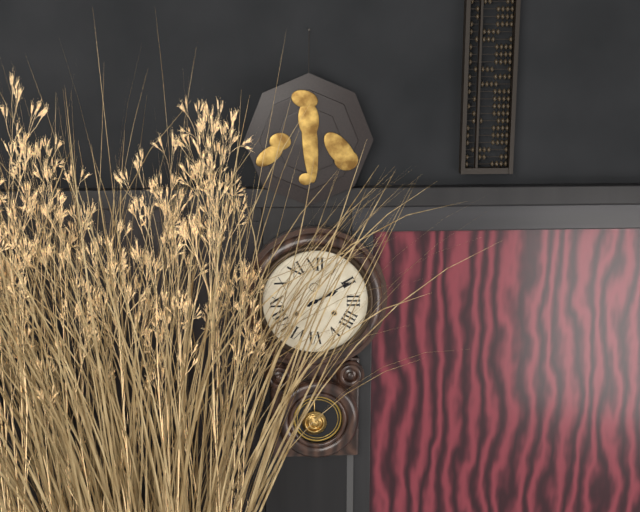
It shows 2:10
